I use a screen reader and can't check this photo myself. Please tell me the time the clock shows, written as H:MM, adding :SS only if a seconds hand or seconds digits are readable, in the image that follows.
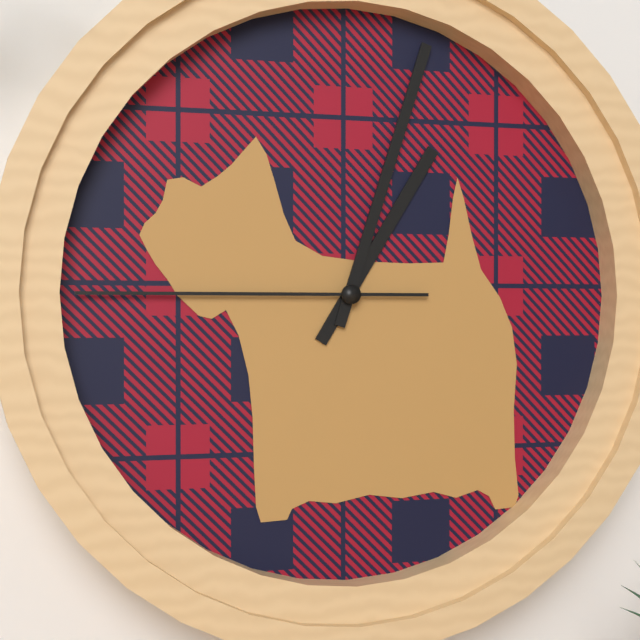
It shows 1:03:45
